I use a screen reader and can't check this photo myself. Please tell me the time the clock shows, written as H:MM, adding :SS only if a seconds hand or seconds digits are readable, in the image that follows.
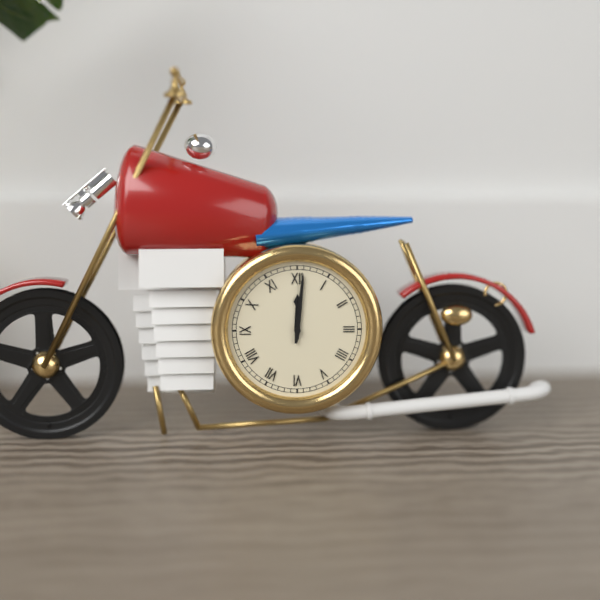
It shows 12:01
